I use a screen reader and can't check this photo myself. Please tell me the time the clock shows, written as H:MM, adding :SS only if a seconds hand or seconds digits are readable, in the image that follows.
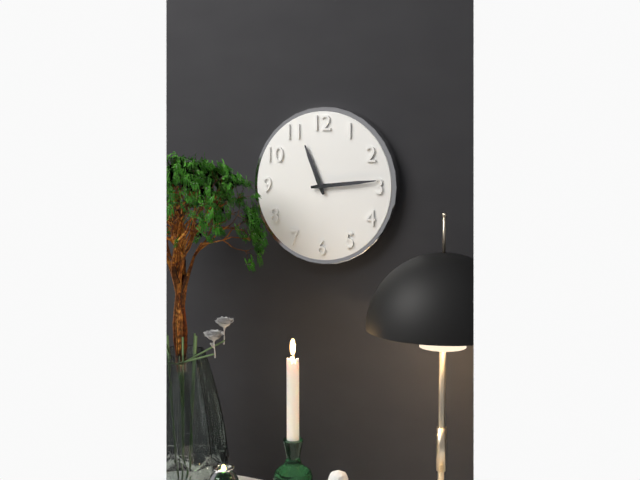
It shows 11:14
